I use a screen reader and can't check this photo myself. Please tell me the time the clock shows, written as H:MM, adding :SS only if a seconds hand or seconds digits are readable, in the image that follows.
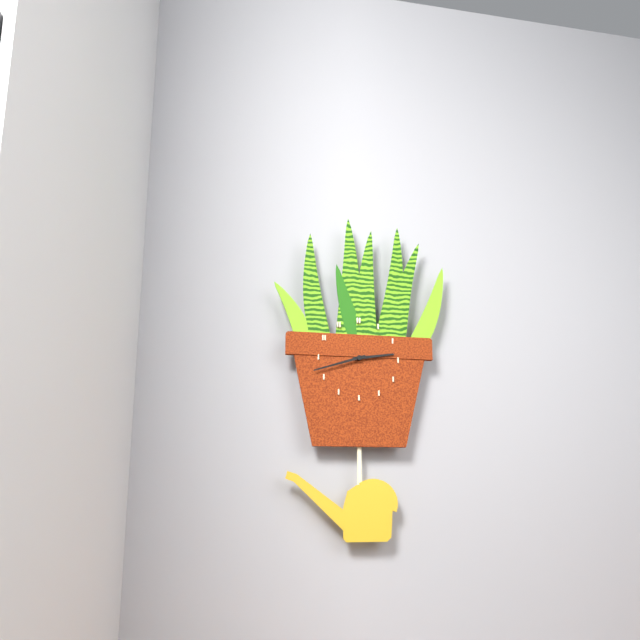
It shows 2:42
